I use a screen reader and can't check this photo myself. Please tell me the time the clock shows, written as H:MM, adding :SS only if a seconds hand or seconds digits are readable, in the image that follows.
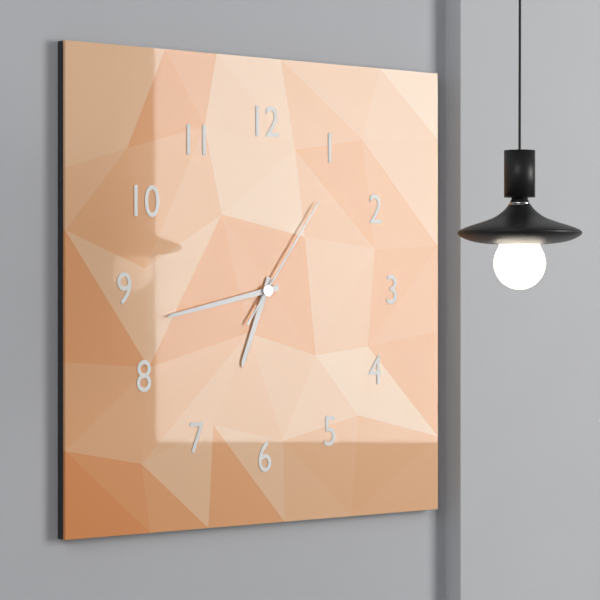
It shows 6:43:06
